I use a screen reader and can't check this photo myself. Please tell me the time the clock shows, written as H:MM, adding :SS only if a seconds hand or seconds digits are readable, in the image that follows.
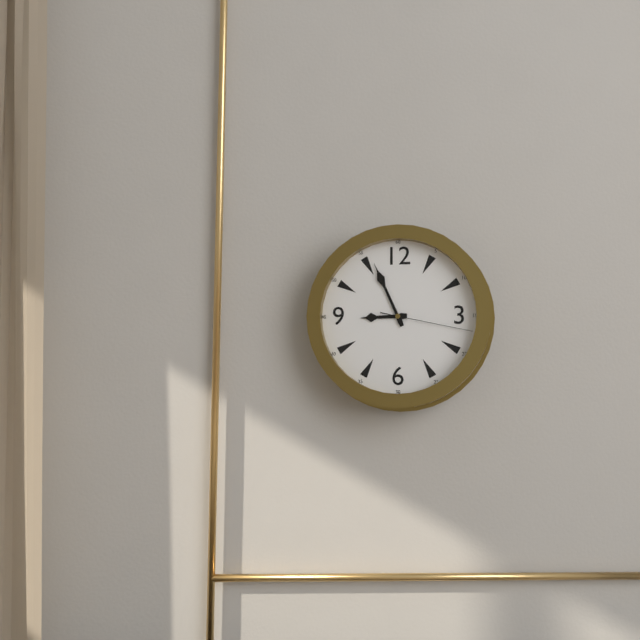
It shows 8:56:17
